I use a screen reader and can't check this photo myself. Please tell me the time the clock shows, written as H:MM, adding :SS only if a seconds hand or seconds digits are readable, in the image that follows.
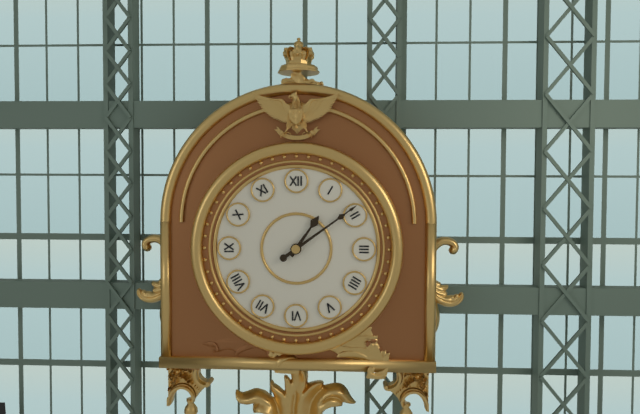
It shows 1:09
